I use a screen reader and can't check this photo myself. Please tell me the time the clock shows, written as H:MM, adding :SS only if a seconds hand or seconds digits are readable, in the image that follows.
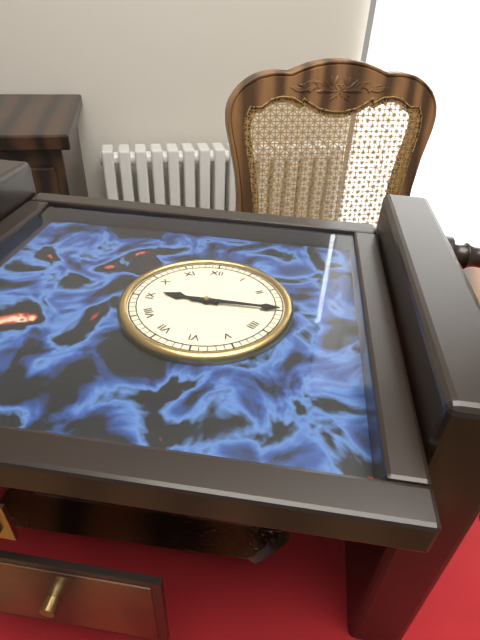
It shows 9:15
